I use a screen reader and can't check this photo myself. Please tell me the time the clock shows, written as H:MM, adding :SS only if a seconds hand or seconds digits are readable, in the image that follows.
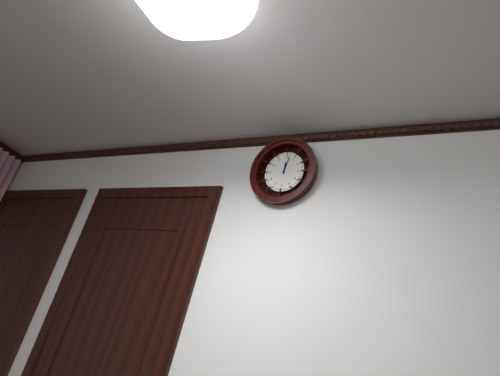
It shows 12:02
